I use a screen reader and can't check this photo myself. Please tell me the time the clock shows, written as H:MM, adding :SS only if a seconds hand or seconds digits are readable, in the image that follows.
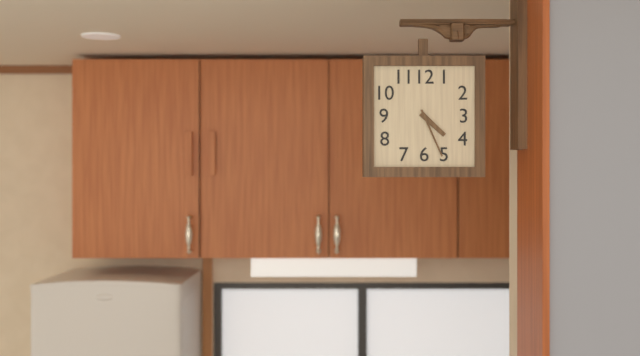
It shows 4:26
